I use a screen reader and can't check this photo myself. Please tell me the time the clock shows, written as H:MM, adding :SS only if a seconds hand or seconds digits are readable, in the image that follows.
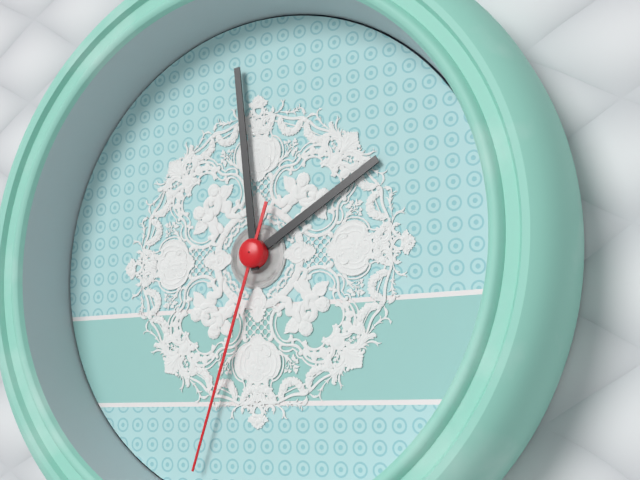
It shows 1:59:33
